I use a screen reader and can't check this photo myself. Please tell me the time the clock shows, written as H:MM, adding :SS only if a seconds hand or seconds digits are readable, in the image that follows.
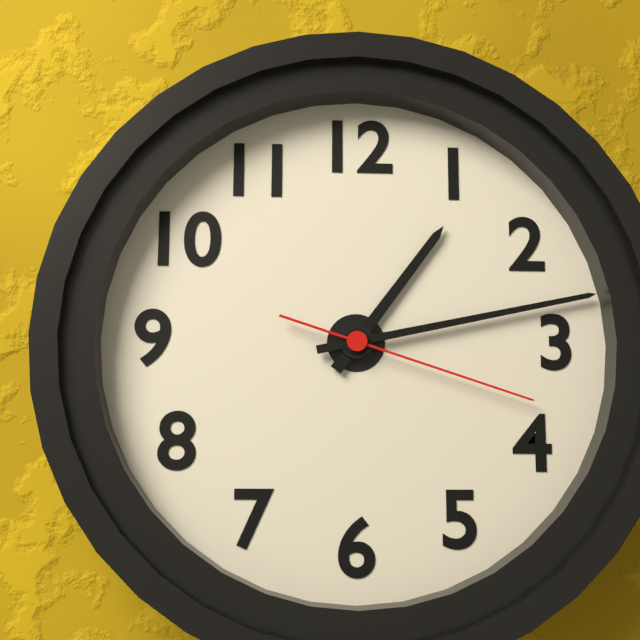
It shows 1:13:18
